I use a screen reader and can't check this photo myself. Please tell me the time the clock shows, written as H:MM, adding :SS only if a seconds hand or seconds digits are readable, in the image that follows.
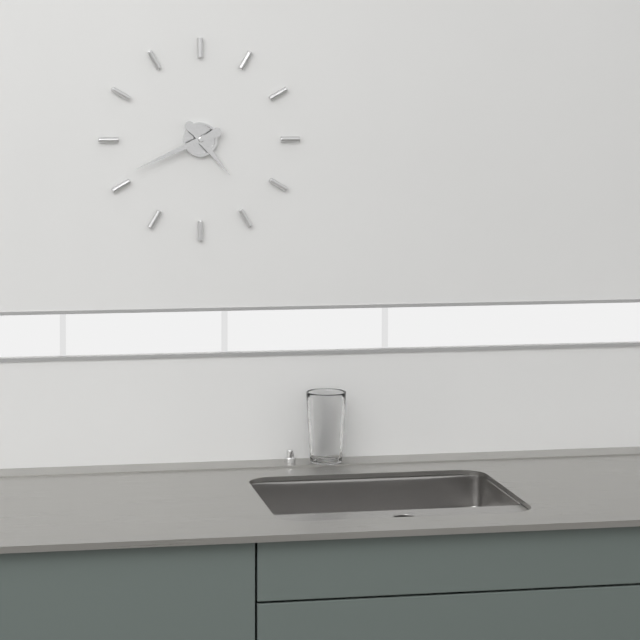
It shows 4:41
